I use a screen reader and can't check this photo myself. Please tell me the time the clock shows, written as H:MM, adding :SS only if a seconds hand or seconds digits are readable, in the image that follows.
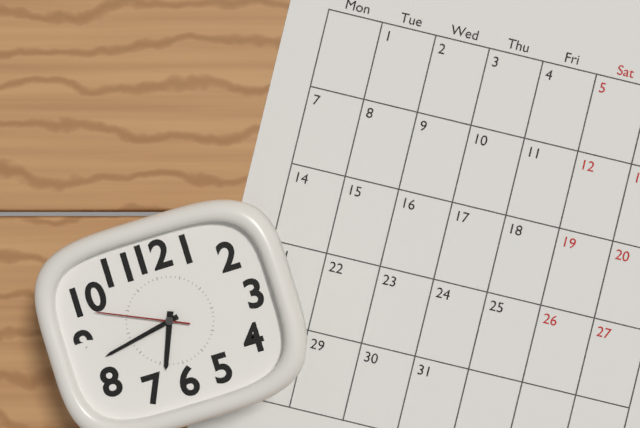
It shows 6:43:49
